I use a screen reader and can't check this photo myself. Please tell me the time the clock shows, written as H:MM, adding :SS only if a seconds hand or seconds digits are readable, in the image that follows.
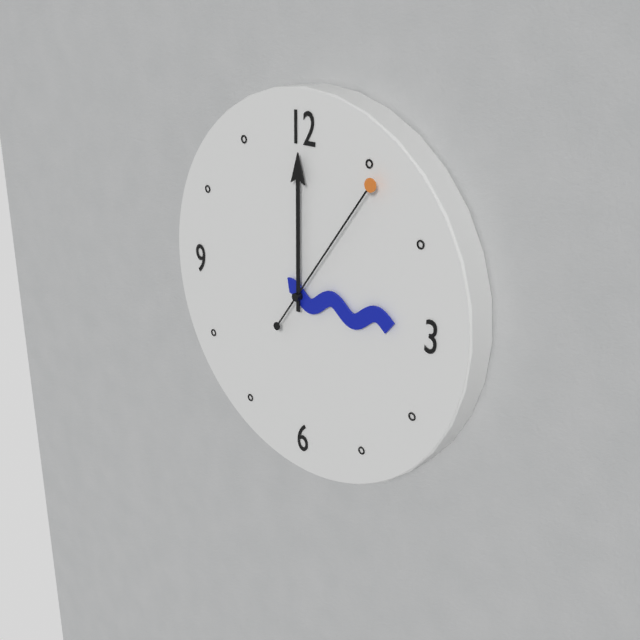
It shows 3:00:06
